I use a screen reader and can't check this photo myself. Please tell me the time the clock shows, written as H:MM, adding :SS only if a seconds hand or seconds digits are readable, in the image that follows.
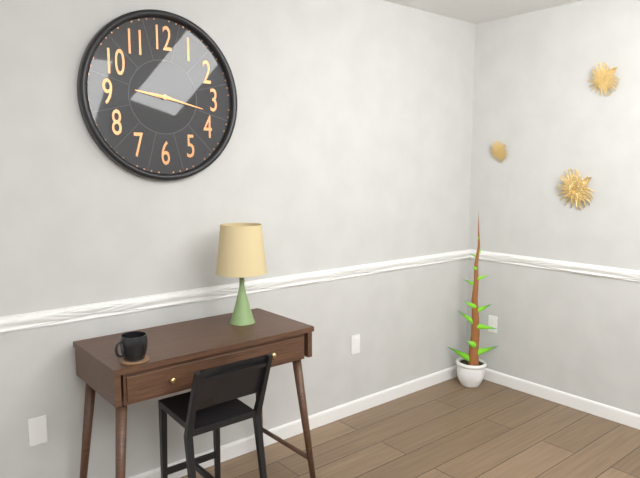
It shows 9:17
